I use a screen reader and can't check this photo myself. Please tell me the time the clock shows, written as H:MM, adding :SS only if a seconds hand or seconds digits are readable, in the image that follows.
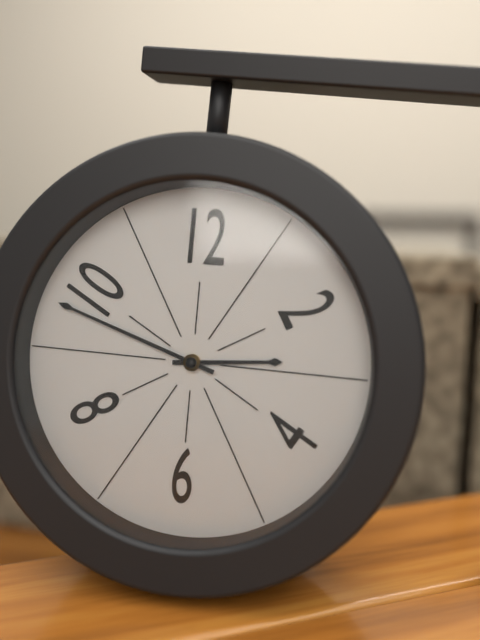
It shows 2:48
